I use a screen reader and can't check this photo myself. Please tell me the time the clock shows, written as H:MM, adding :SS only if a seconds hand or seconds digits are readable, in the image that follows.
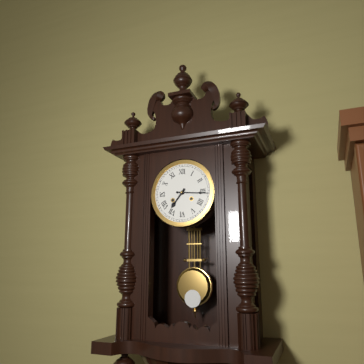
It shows 7:16
